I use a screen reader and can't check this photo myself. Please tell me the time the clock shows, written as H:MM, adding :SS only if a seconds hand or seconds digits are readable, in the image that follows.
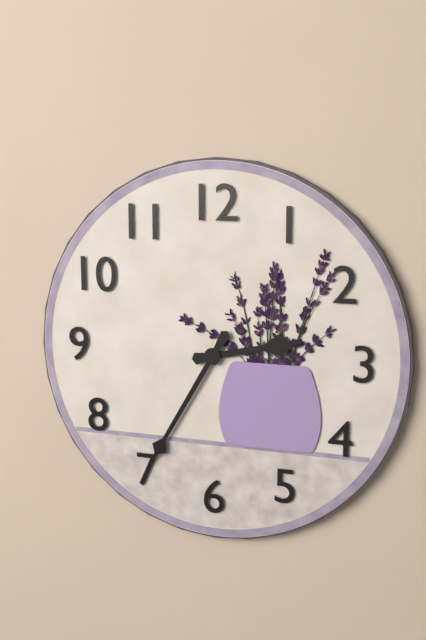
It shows 2:35
